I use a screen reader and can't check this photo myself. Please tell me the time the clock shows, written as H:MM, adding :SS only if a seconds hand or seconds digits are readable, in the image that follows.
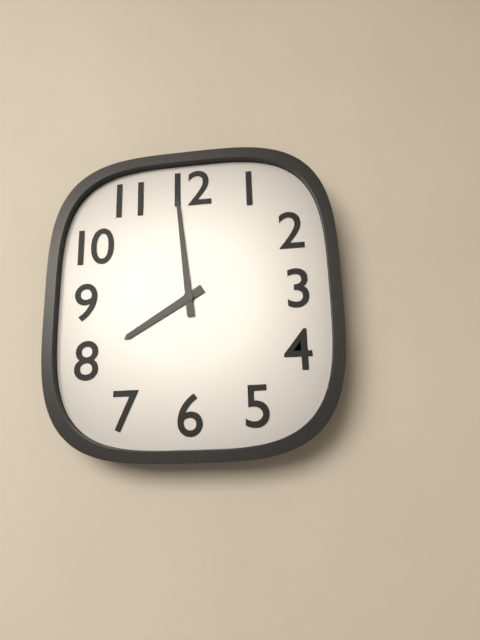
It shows 7:59
